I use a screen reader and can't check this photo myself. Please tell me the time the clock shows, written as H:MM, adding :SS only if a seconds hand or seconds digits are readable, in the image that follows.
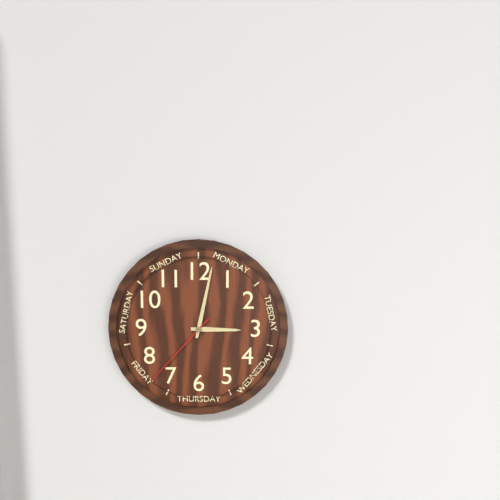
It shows 3:02:37
